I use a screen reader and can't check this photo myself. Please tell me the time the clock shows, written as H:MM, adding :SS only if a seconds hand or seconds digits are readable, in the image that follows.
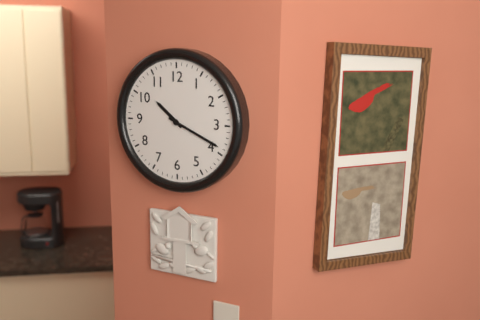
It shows 10:19
